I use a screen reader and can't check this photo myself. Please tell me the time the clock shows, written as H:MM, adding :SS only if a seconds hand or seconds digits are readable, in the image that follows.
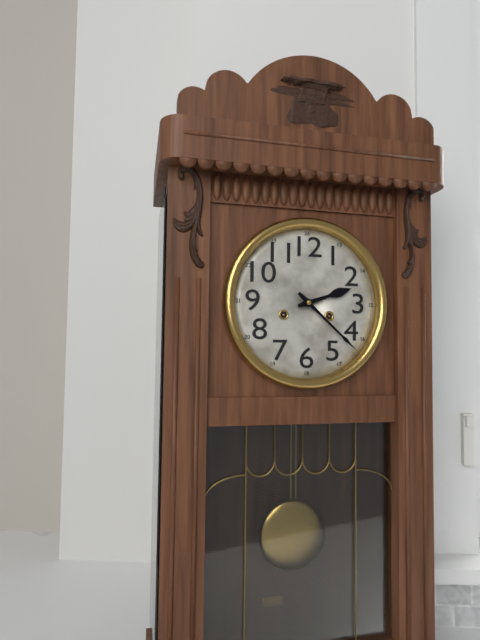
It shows 2:22
